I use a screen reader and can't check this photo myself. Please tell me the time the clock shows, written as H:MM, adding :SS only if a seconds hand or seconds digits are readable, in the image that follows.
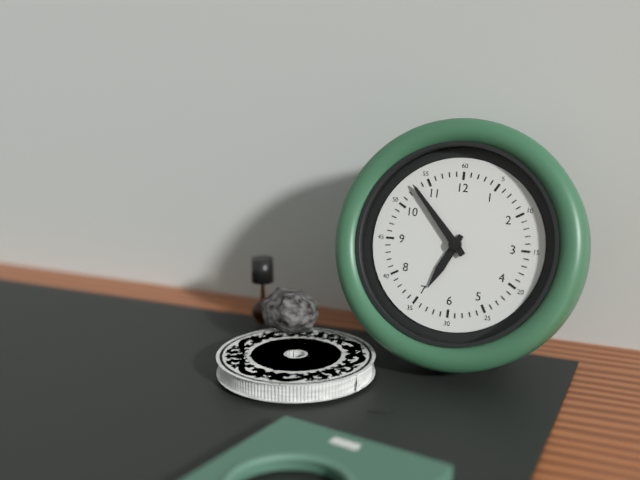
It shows 6:53
